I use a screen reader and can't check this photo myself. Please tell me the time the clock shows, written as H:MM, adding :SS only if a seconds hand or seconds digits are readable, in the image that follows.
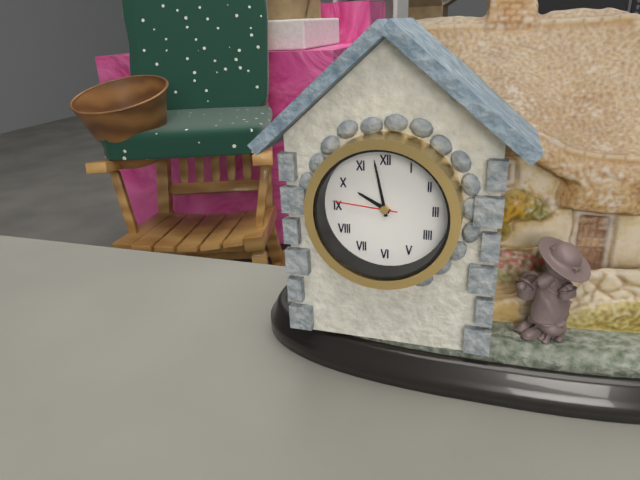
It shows 9:58:46
